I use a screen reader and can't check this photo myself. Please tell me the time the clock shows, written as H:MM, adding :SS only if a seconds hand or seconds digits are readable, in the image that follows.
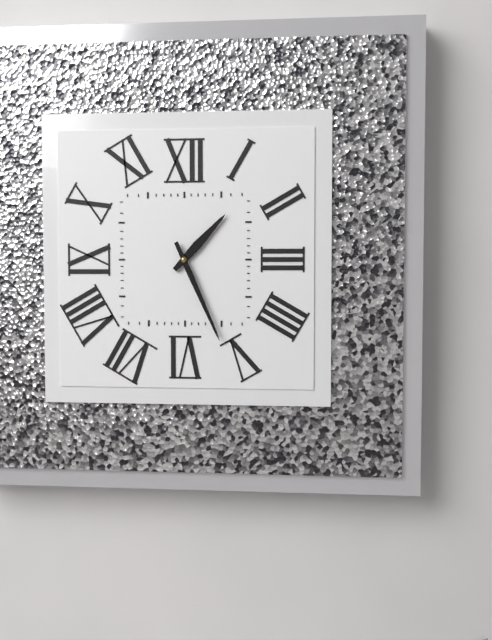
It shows 1:26
